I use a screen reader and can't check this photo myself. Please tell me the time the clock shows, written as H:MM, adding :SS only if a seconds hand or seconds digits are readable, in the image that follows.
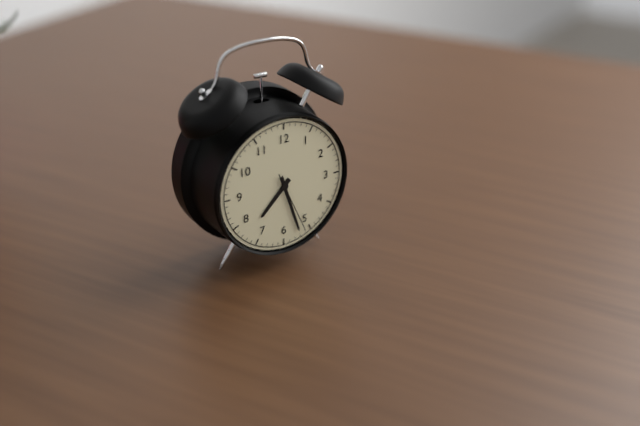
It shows 7:27:26
